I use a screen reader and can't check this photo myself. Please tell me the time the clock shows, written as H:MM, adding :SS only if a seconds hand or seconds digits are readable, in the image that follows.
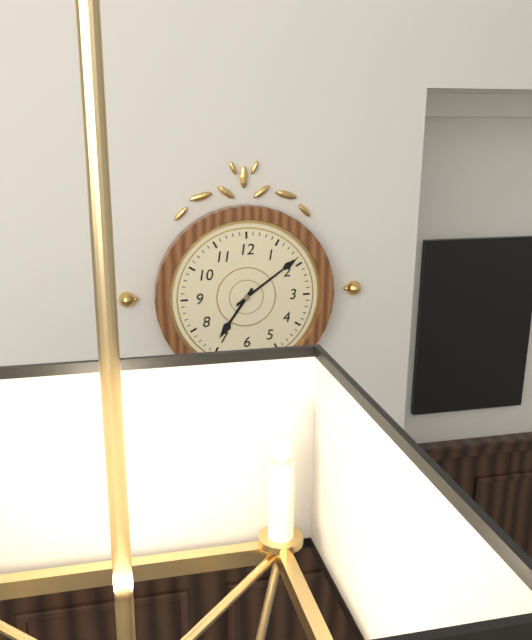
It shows 7:09:09
